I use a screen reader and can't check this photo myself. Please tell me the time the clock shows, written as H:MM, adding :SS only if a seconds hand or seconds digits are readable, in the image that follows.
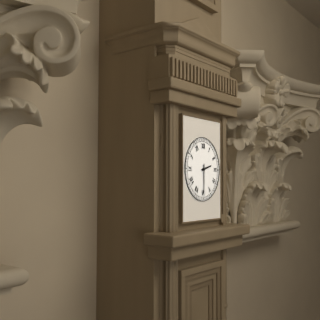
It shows 2:30
